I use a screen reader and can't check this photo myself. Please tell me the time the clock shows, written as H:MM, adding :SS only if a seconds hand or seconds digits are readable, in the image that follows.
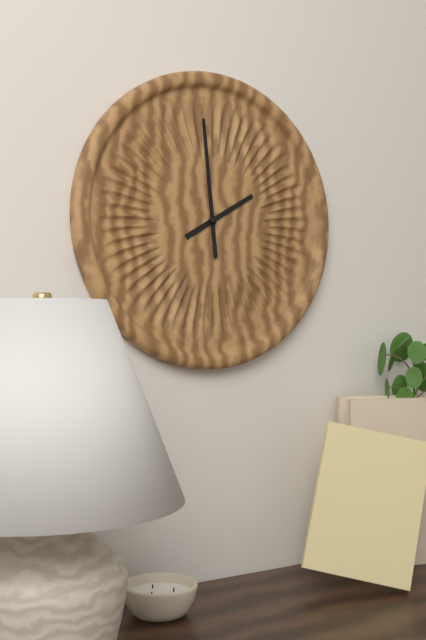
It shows 1:59
